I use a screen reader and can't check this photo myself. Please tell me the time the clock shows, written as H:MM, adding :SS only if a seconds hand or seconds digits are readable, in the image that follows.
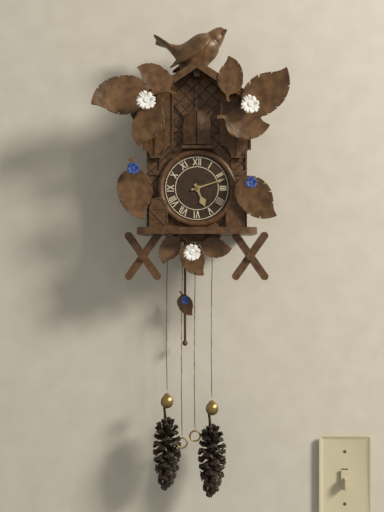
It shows 5:12
